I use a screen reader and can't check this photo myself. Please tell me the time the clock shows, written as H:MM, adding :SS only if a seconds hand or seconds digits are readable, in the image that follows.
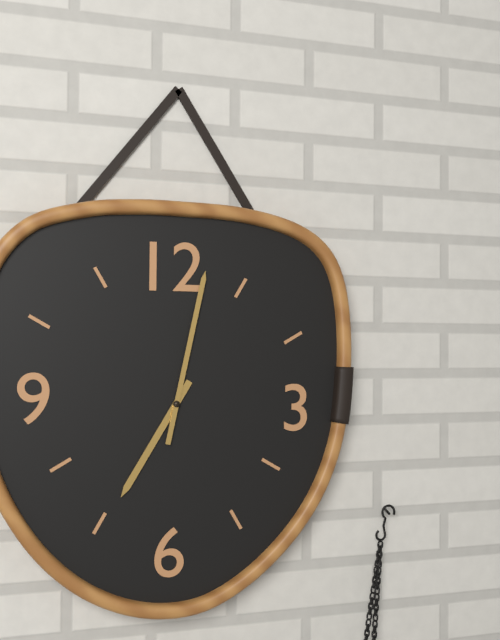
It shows 7:02
